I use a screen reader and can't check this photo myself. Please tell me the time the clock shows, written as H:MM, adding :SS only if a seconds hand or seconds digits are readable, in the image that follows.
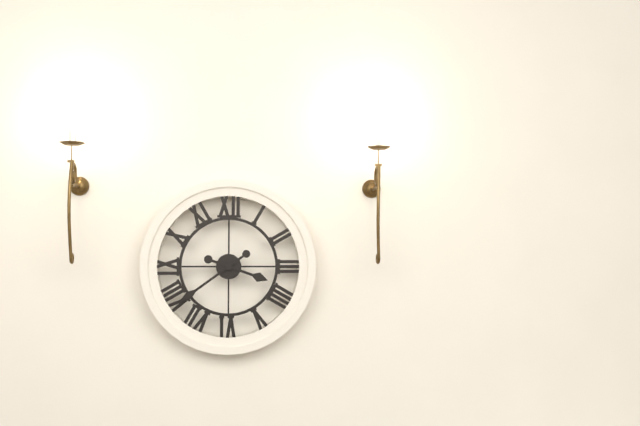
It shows 3:39
